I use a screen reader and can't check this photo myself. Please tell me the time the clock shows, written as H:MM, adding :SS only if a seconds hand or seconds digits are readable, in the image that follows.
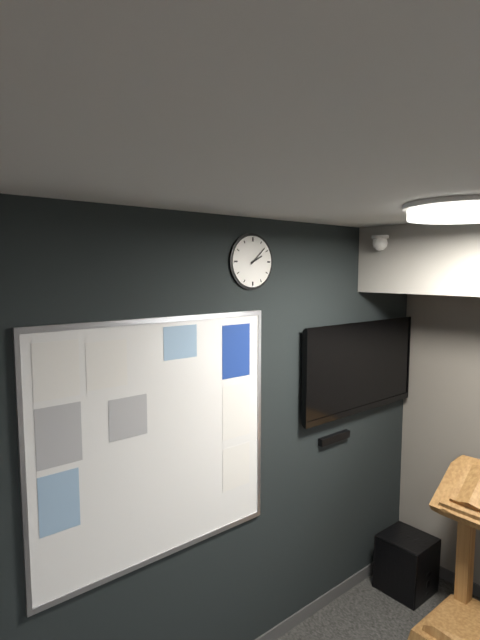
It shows 2:08
